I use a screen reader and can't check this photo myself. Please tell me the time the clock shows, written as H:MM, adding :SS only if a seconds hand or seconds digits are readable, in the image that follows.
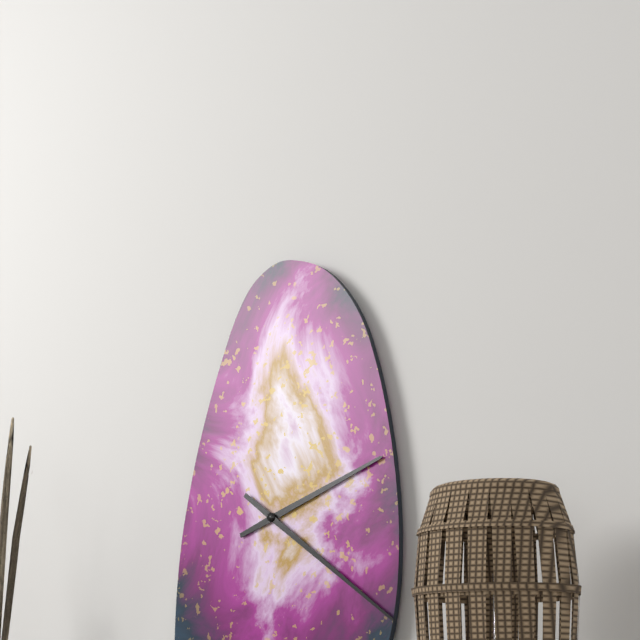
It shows 2:21
